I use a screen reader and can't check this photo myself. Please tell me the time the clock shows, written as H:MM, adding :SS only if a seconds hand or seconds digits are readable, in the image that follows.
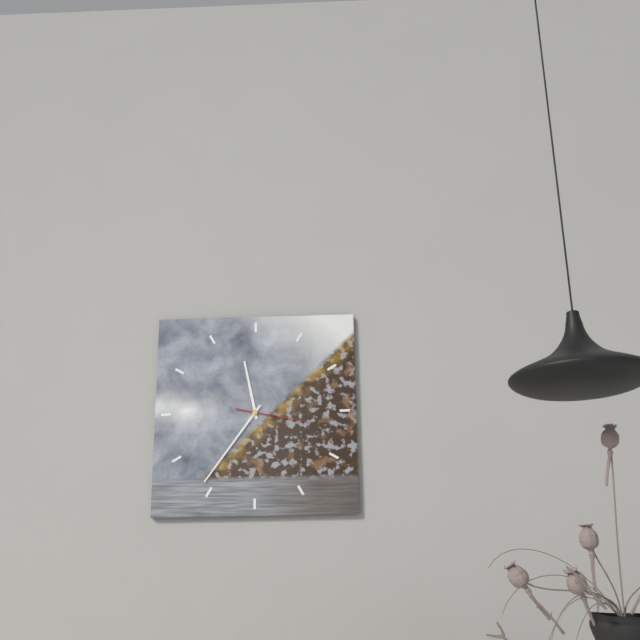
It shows 11:36:17
